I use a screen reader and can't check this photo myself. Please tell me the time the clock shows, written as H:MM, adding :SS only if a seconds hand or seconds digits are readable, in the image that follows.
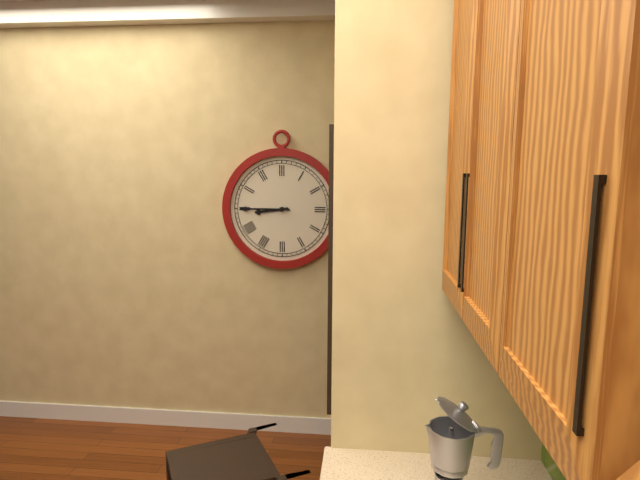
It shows 8:45
